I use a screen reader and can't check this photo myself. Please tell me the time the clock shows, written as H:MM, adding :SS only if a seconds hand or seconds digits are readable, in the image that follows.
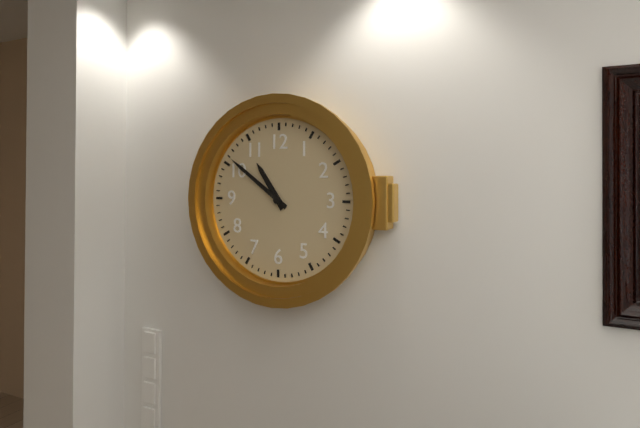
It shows 10:51
